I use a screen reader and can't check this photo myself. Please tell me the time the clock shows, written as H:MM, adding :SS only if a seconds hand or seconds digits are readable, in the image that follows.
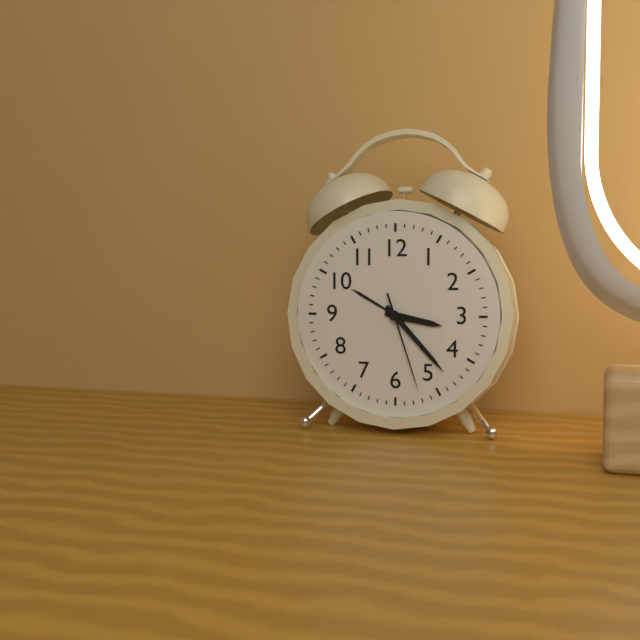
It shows 3:23:27
